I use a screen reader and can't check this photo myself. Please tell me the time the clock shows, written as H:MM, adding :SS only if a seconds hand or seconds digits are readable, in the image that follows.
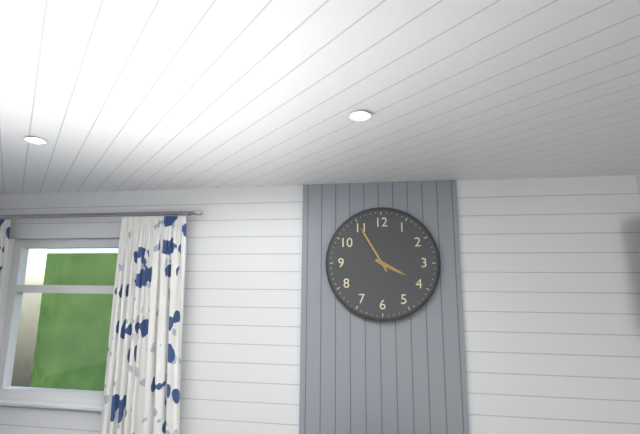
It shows 3:55
